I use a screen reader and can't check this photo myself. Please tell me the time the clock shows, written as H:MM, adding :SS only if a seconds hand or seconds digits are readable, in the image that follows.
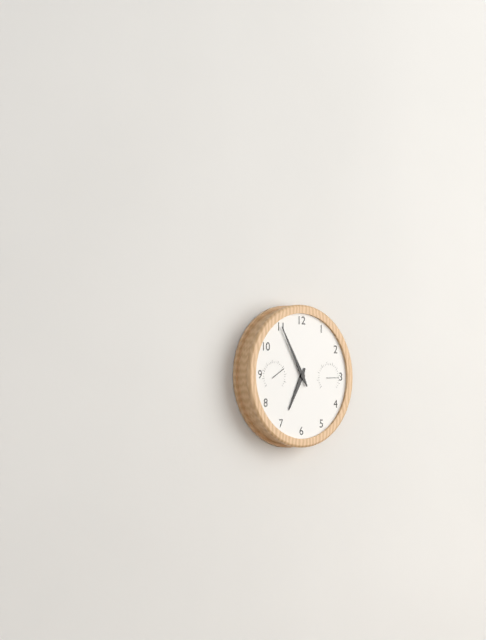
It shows 6:55
